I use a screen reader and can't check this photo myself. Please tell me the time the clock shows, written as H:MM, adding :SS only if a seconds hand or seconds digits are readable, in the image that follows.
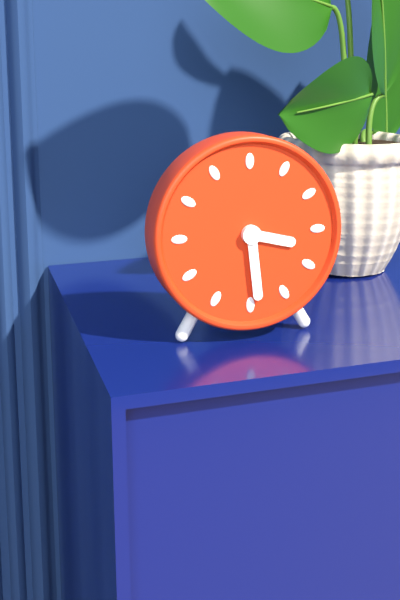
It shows 3:29
